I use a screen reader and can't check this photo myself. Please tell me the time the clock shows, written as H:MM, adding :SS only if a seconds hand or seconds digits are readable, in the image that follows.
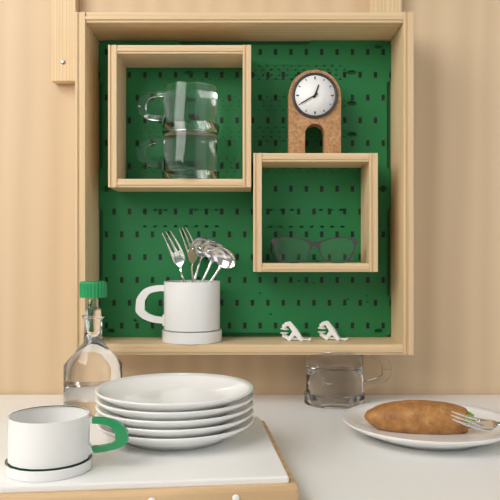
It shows 12:40
